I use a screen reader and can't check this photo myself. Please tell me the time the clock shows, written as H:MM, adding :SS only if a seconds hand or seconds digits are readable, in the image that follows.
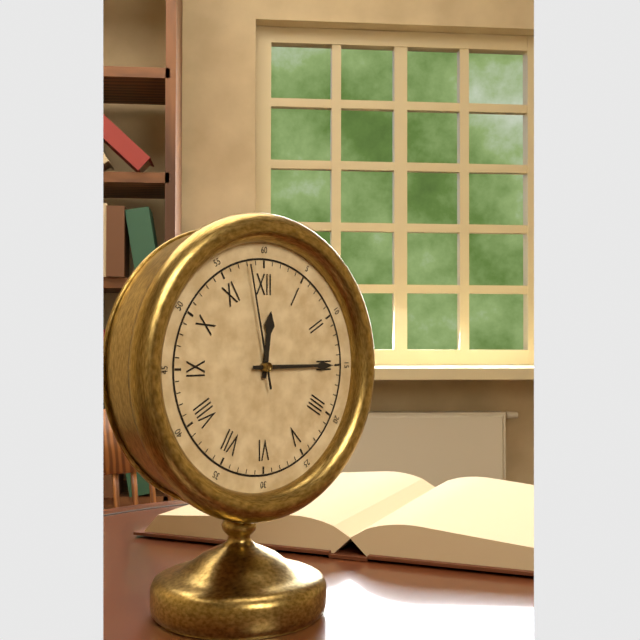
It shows 12:15:58
